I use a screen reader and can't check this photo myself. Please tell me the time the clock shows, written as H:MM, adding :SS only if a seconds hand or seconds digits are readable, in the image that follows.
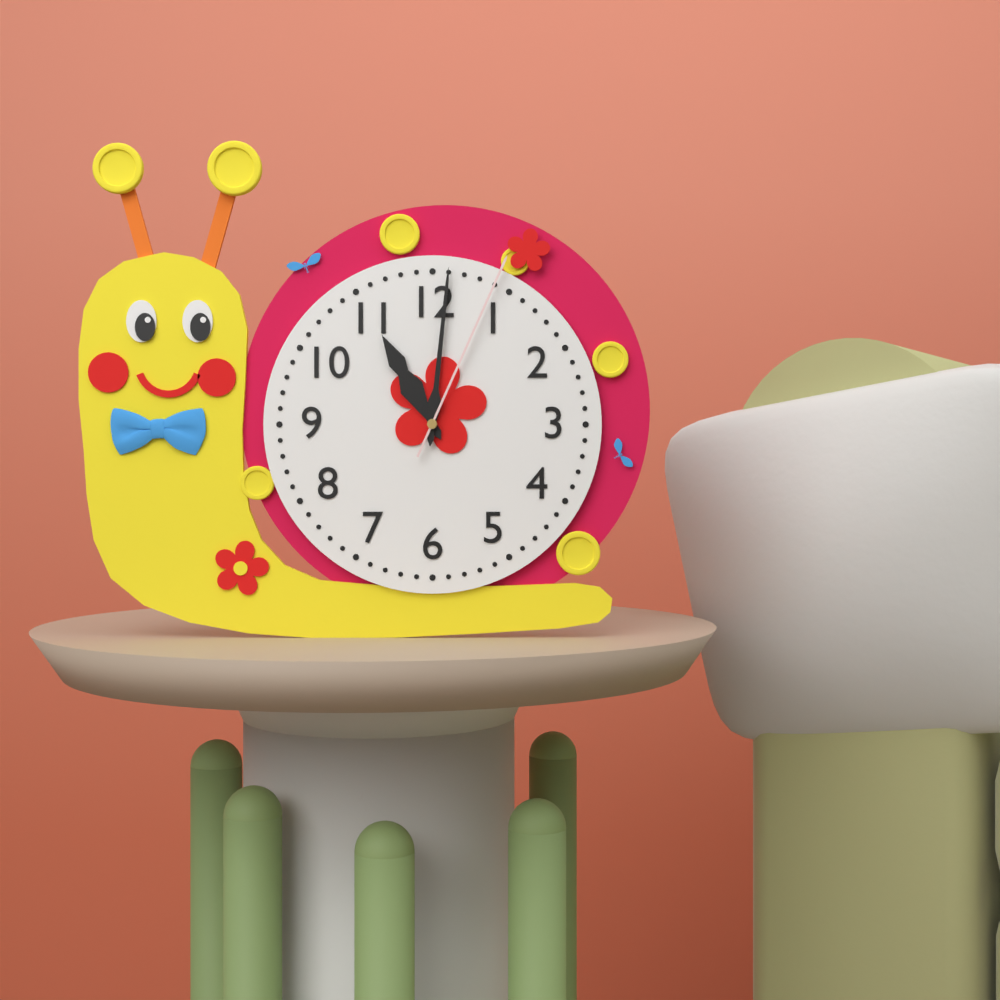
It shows 11:01:04
